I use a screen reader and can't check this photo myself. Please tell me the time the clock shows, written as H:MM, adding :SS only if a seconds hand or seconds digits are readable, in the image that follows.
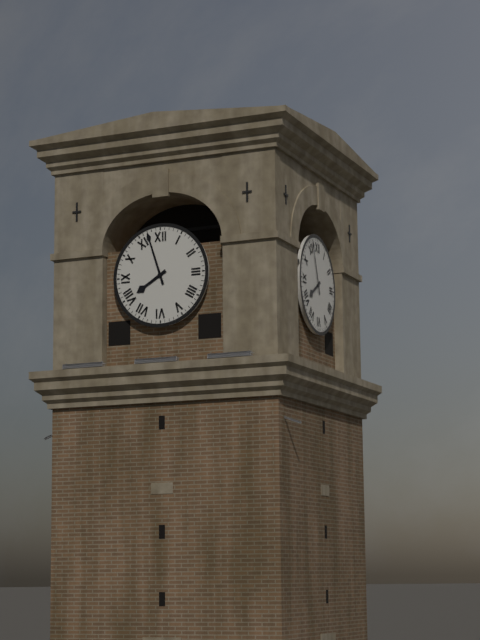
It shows 7:57
